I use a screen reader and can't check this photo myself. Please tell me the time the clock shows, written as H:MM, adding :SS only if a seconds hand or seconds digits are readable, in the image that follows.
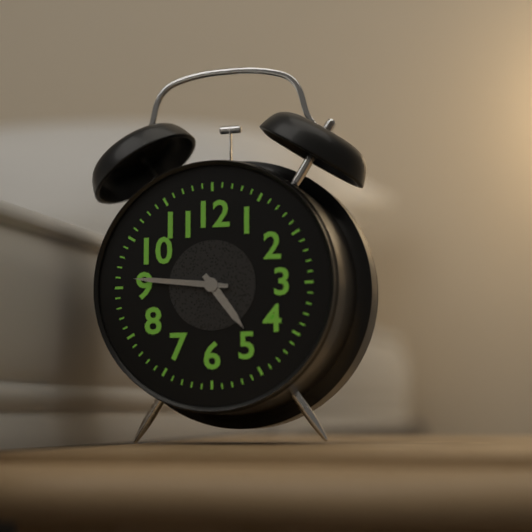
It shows 4:46
